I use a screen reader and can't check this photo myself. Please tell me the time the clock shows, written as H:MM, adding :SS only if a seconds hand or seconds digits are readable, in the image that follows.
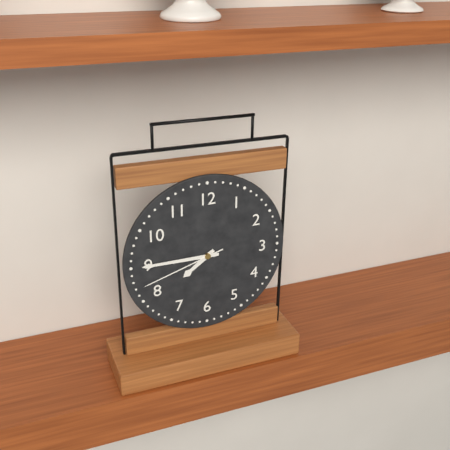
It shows 7:45:42
